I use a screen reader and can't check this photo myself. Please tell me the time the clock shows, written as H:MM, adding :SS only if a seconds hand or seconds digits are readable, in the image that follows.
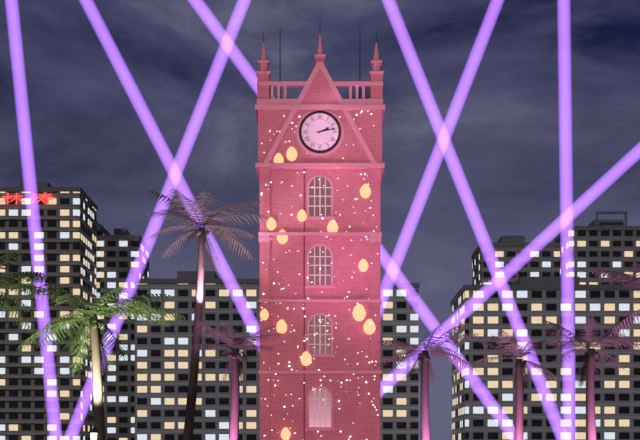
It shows 2:13
